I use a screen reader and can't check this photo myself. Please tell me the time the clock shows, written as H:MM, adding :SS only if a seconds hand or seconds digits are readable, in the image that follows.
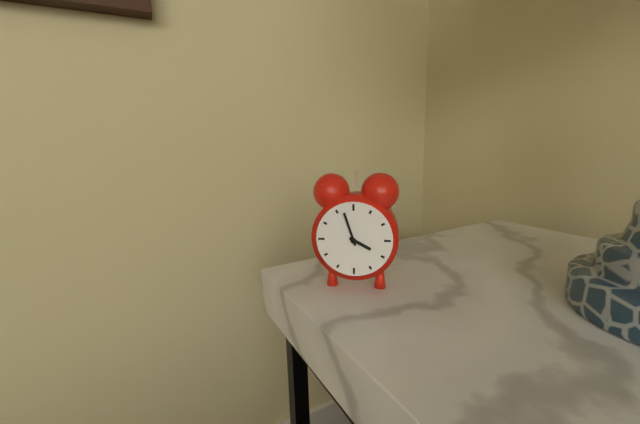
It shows 3:57
